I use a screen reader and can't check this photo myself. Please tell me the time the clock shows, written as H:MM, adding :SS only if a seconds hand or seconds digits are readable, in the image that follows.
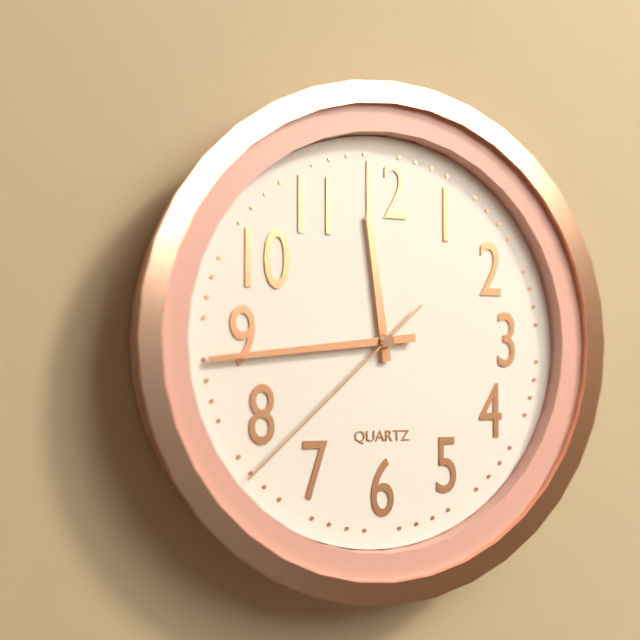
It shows 11:44:38
